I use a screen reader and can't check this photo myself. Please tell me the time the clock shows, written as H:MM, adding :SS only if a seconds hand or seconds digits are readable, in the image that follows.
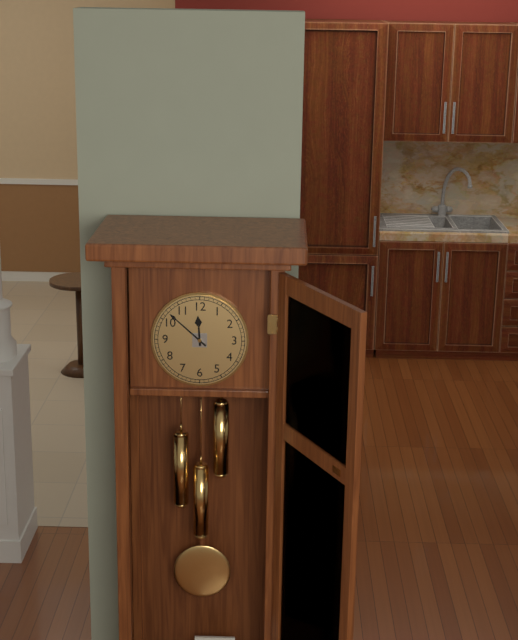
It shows 11:52
